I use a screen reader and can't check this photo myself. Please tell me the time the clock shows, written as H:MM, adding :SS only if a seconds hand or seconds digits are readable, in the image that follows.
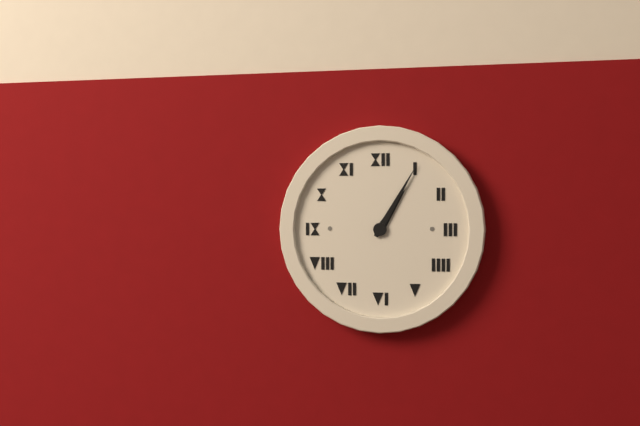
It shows 1:05
